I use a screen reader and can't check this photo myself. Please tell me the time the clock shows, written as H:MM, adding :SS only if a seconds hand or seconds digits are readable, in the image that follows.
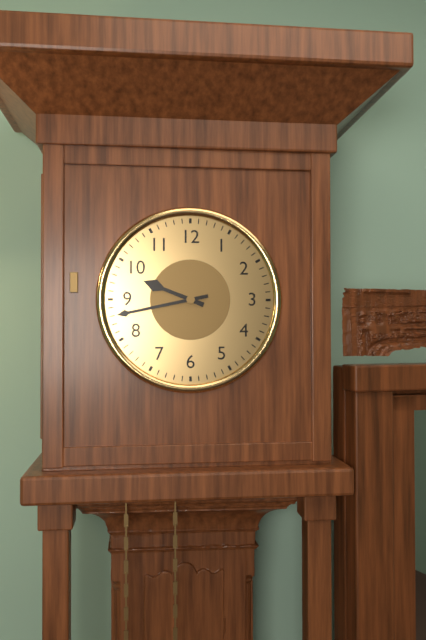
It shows 9:43
